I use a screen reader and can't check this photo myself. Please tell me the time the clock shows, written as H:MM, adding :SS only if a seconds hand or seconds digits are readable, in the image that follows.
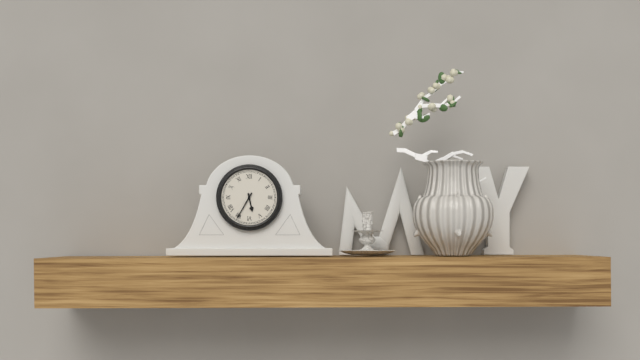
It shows 5:35
